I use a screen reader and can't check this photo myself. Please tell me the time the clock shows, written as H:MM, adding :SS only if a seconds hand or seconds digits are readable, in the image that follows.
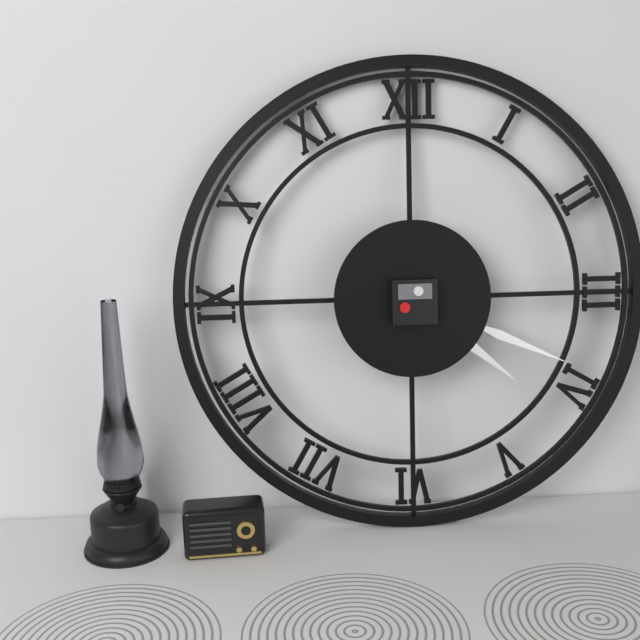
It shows 4:19
